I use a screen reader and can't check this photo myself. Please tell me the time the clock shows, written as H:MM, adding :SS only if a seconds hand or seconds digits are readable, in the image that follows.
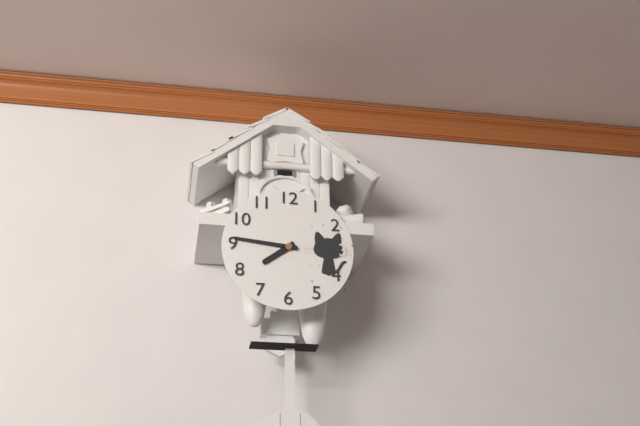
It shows 7:46
